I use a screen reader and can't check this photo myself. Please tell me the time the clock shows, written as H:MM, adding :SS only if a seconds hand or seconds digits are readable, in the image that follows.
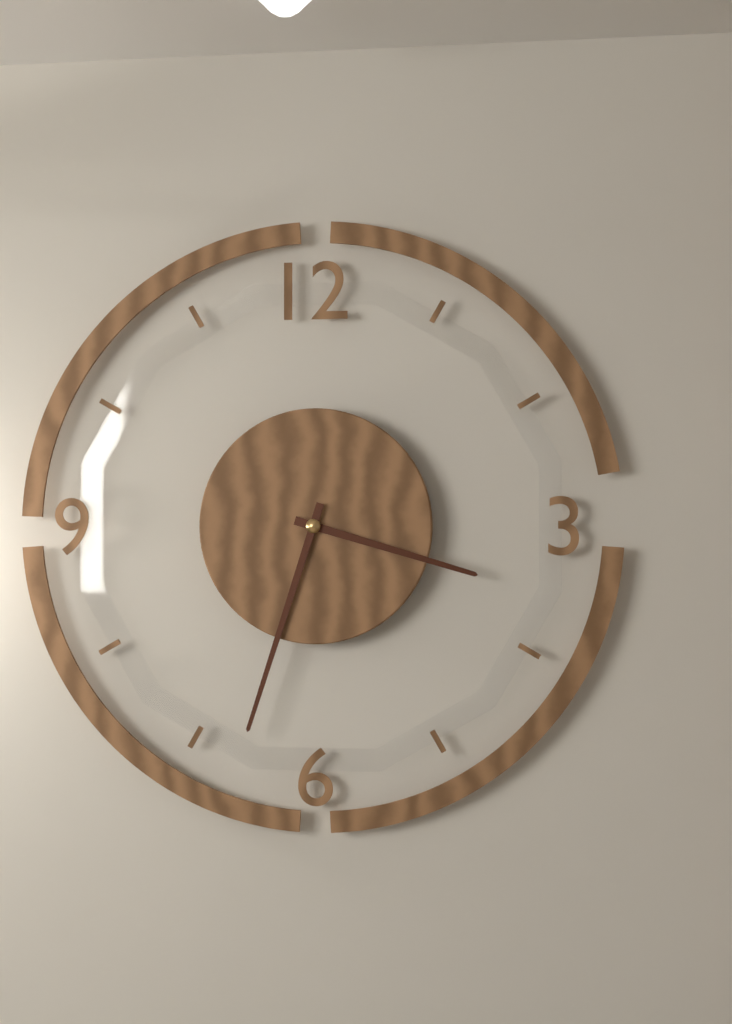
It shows 3:33
